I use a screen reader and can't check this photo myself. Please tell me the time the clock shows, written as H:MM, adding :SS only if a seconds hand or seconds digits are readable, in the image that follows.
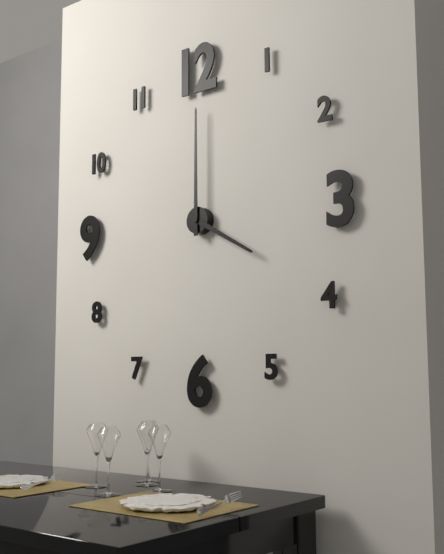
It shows 4:00
